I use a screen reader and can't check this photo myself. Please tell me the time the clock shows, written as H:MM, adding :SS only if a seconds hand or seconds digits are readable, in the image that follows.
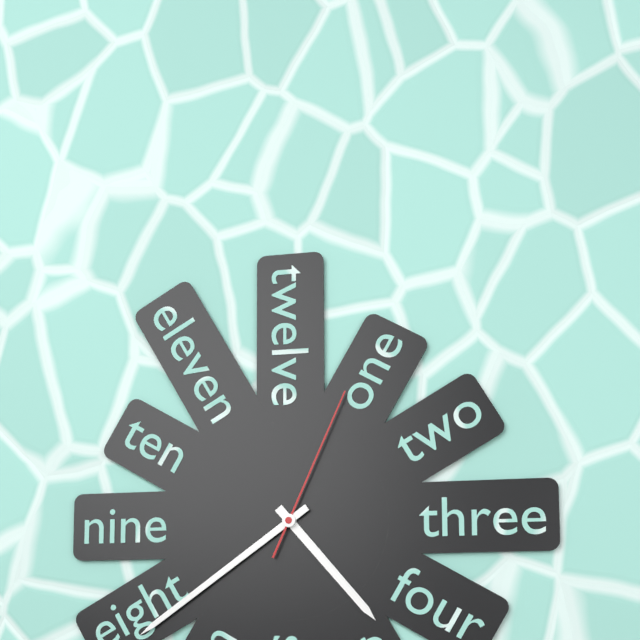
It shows 4:39:04
